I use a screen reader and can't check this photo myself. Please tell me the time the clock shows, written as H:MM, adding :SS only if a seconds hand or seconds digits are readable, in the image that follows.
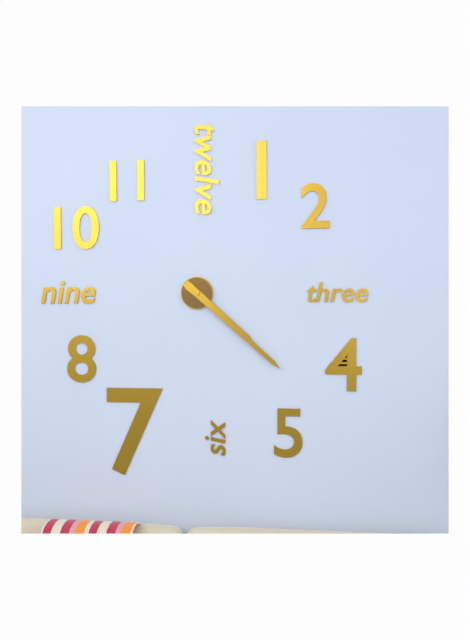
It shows 4:22
